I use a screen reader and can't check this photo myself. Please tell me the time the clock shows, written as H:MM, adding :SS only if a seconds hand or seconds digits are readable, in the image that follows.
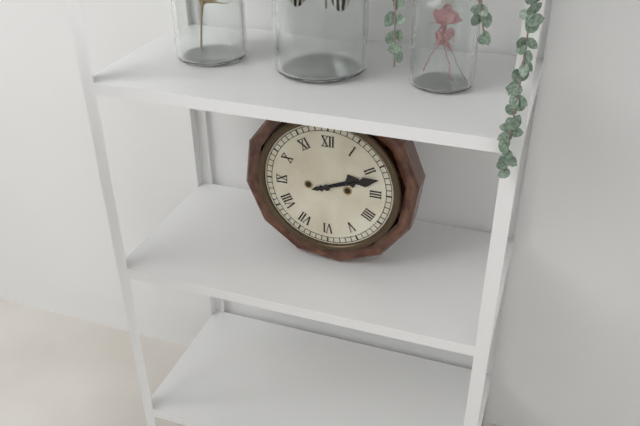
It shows 2:12
